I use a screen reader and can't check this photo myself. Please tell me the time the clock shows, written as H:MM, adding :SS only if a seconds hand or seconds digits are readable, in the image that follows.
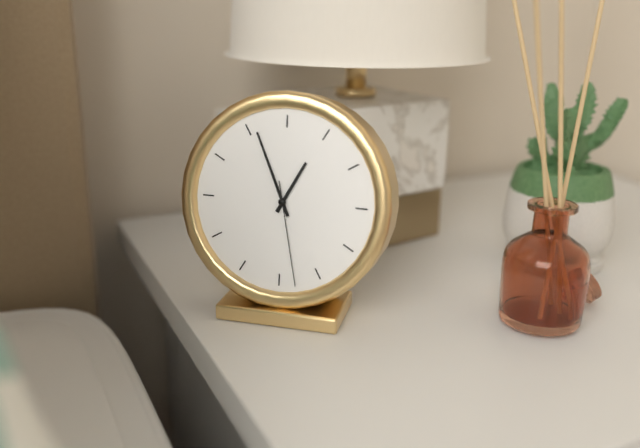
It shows 12:56:28
